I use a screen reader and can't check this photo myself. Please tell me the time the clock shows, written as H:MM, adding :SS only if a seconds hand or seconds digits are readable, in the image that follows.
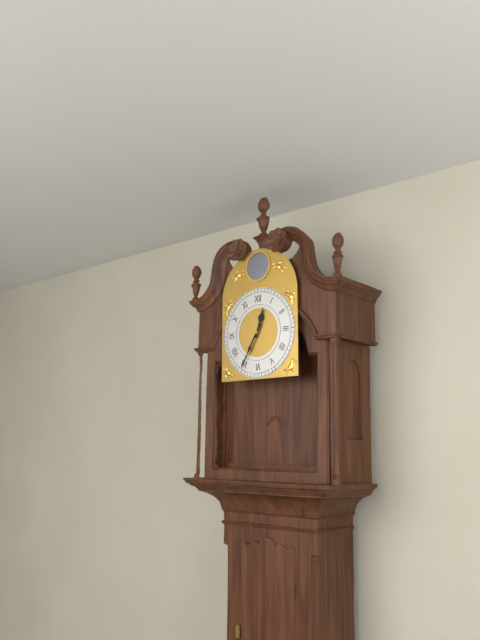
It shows 12:35
